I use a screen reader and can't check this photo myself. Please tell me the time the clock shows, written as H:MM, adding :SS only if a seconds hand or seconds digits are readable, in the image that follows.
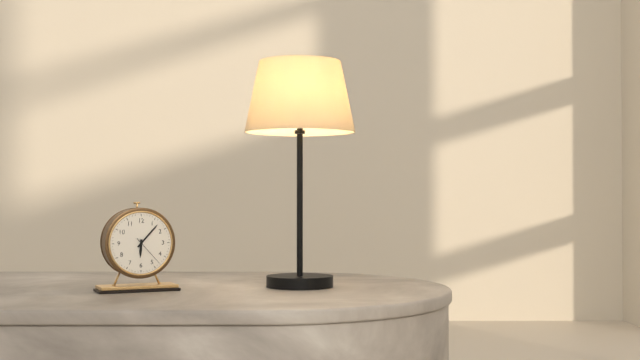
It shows 6:07
